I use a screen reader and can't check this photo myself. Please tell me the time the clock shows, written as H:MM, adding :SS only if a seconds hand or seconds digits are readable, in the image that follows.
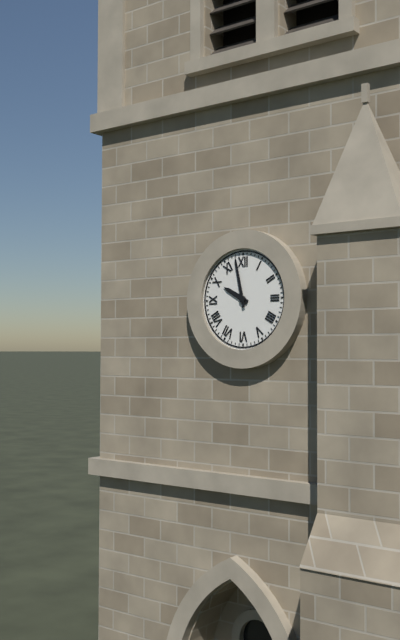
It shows 9:58
